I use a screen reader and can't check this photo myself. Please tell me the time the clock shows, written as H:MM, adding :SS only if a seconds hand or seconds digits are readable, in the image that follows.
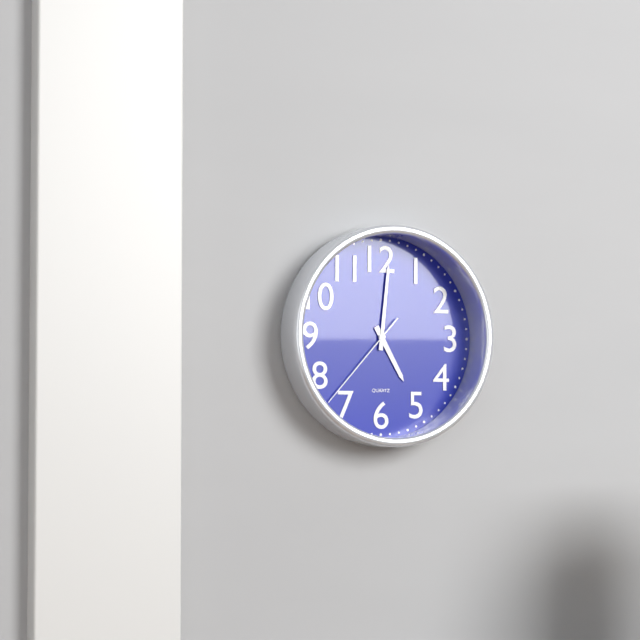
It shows 5:01:37
